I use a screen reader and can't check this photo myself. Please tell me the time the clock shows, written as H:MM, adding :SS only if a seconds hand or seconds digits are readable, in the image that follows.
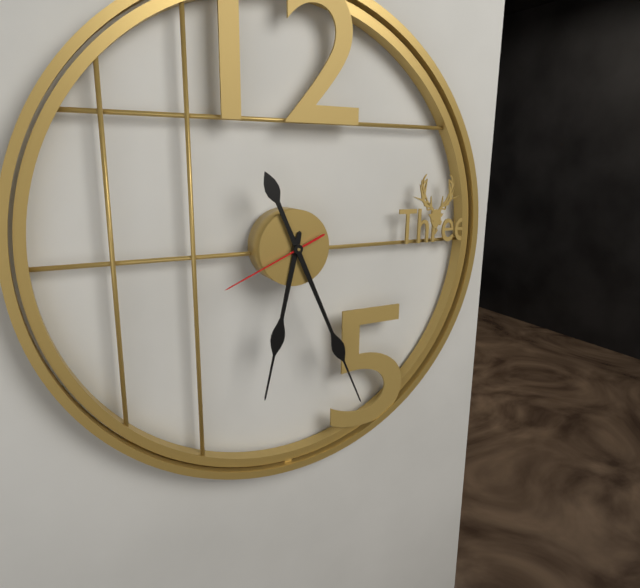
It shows 6:26:41
